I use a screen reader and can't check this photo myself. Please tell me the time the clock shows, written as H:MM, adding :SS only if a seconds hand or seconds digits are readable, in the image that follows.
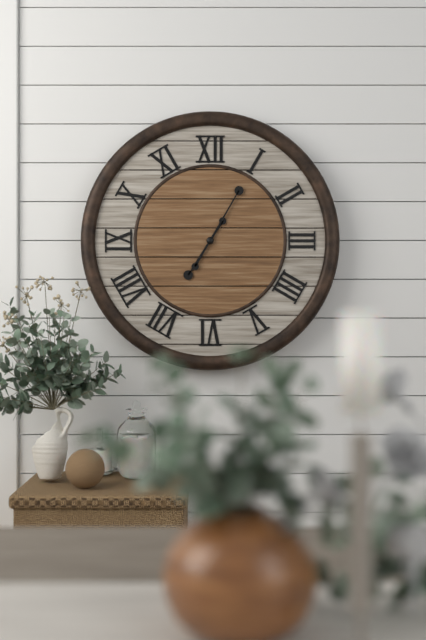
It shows 7:05
